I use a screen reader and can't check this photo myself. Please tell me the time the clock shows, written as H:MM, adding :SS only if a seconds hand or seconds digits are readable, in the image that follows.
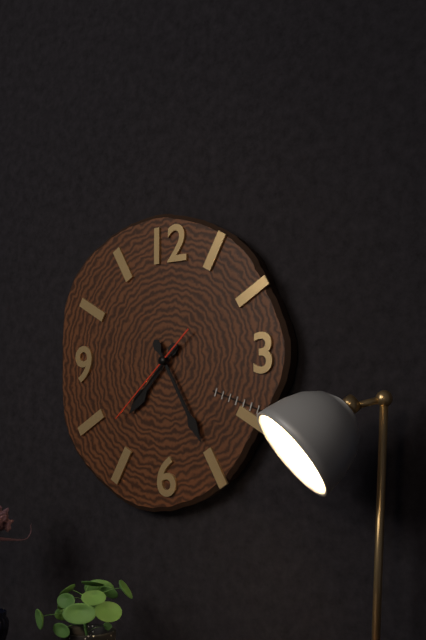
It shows 7:25:38
